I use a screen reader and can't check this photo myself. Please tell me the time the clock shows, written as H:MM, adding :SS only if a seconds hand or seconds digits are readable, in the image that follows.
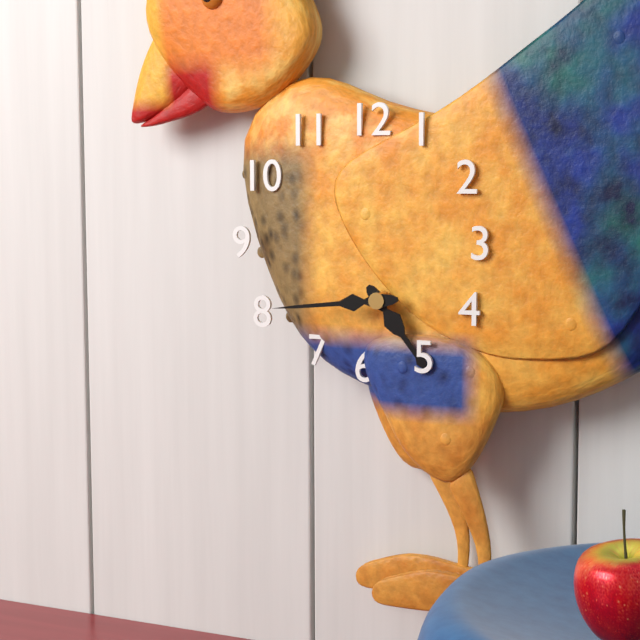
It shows 4:44
